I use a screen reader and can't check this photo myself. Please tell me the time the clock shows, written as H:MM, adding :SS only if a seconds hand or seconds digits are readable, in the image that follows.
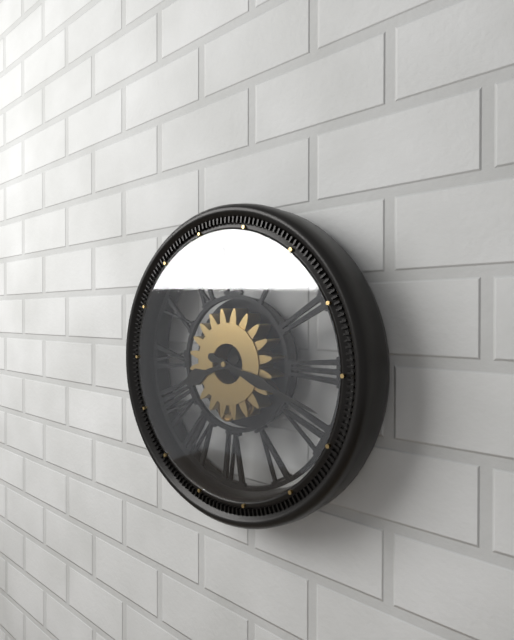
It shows 8:18
